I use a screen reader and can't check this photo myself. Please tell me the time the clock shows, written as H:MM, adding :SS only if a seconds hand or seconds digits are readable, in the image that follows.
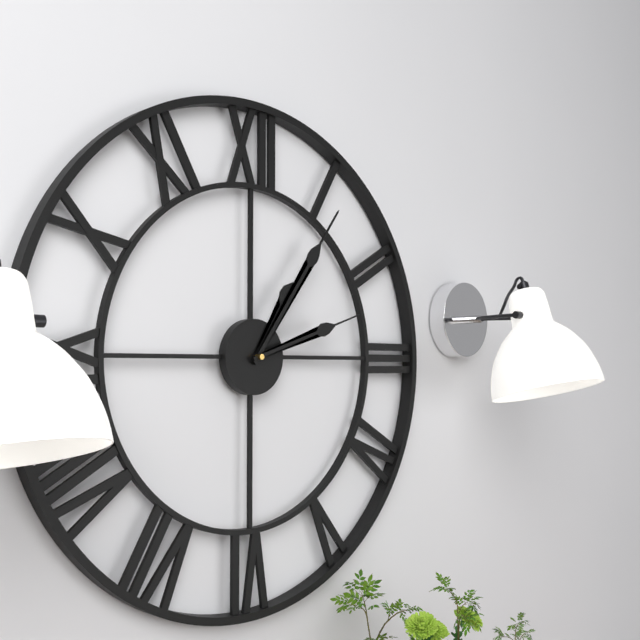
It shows 1:06:12
